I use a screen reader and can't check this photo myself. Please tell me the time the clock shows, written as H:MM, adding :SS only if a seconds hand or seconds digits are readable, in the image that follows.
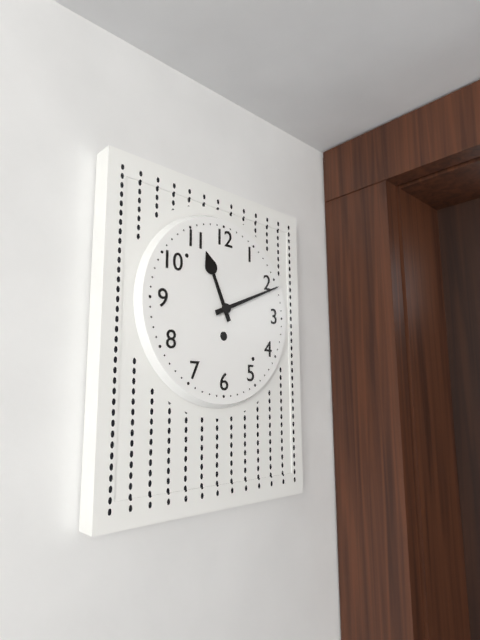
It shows 11:11
